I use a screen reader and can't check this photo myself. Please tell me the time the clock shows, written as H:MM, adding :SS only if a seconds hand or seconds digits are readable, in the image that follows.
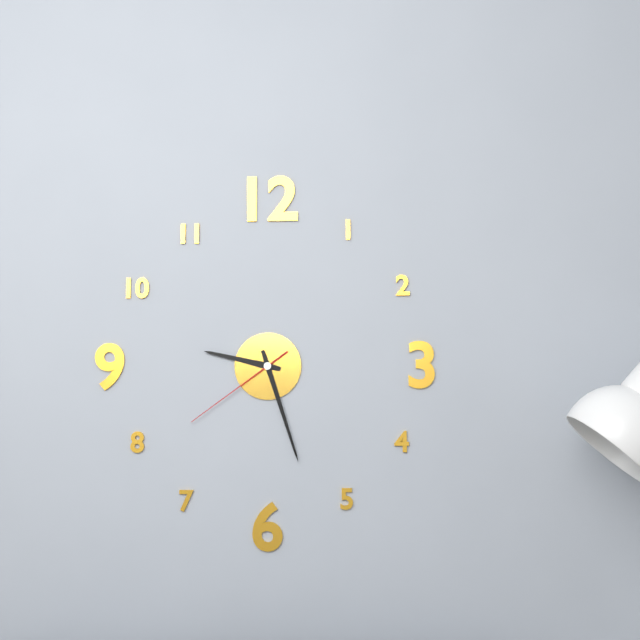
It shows 9:27:39
